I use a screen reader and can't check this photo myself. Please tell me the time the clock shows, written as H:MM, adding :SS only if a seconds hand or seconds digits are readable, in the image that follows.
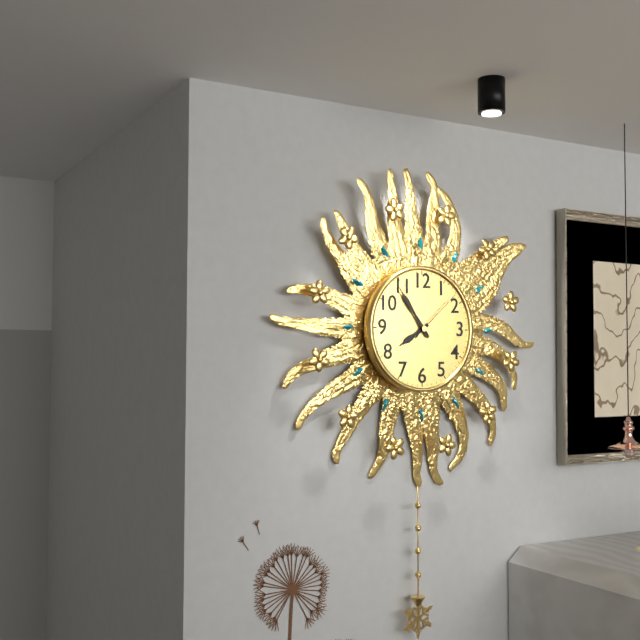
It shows 7:54:08
